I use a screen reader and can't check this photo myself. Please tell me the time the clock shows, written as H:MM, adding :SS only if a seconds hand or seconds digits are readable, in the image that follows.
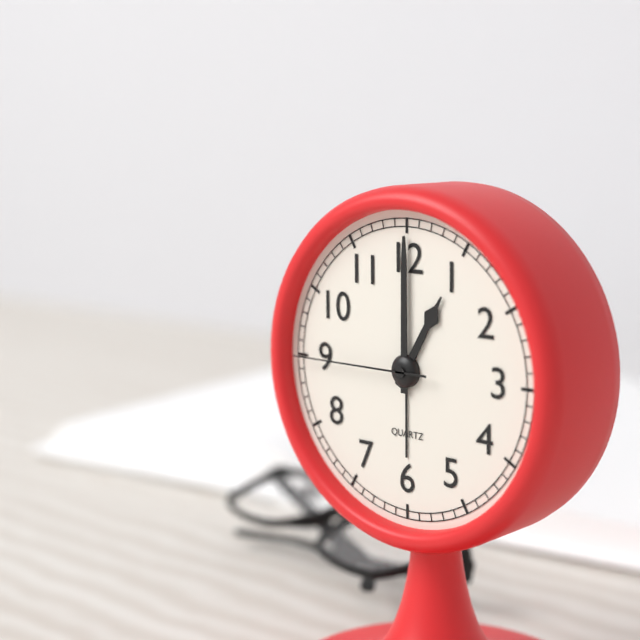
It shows 1:00:45
